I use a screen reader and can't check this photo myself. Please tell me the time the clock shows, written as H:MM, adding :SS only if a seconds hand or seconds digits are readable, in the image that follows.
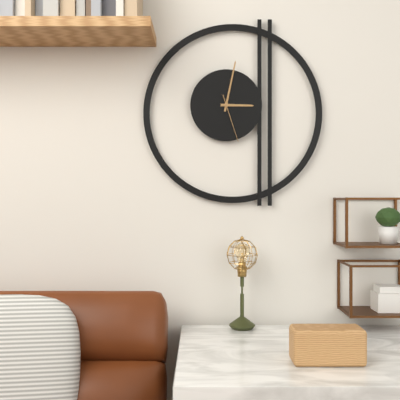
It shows 3:02
